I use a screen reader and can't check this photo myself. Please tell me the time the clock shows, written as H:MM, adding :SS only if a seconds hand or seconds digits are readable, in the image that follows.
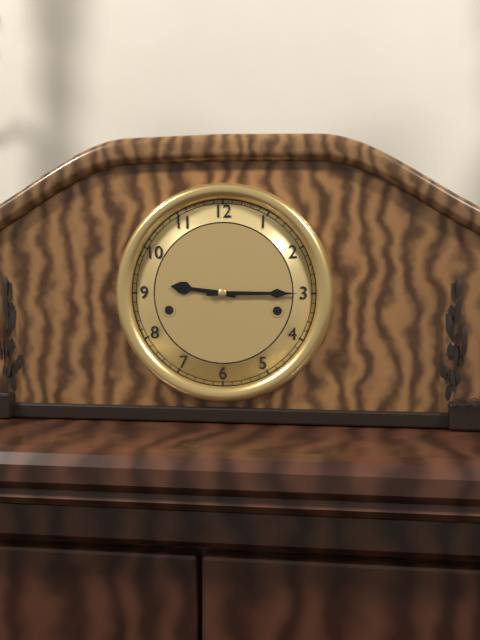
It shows 9:15
